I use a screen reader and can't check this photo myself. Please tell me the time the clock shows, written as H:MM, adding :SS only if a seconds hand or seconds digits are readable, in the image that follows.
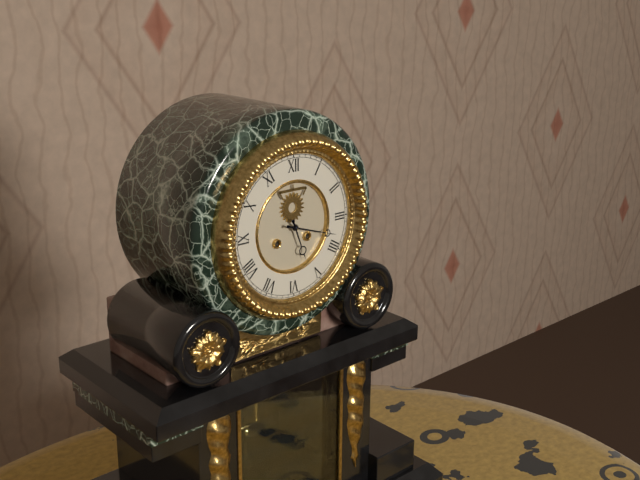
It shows 5:18
